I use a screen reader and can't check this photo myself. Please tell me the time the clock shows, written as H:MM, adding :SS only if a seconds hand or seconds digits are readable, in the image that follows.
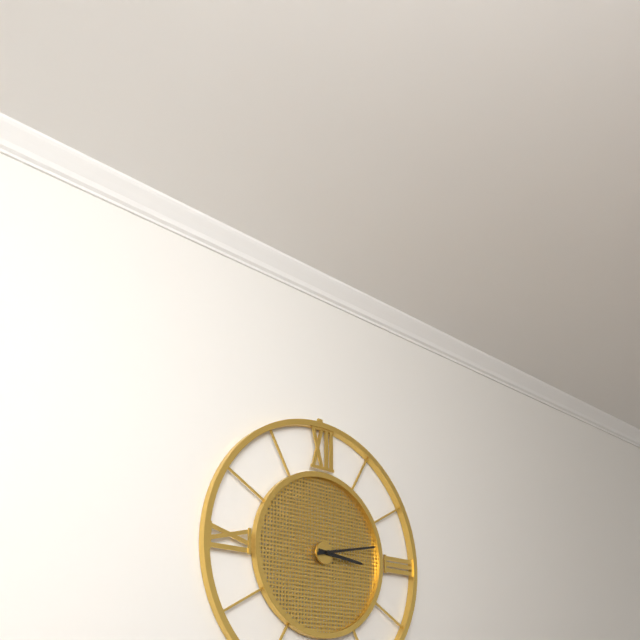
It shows 3:13
